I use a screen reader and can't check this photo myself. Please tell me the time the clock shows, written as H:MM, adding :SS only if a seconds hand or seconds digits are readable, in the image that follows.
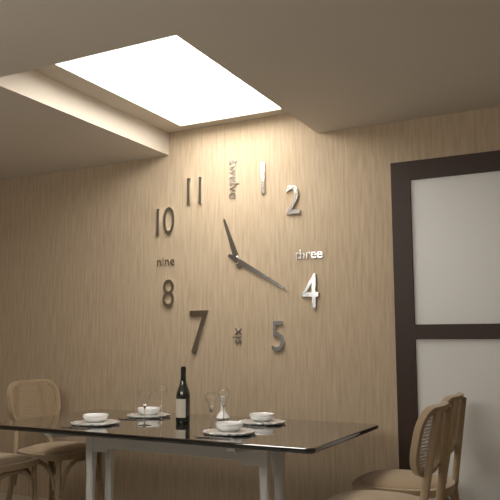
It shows 11:20
